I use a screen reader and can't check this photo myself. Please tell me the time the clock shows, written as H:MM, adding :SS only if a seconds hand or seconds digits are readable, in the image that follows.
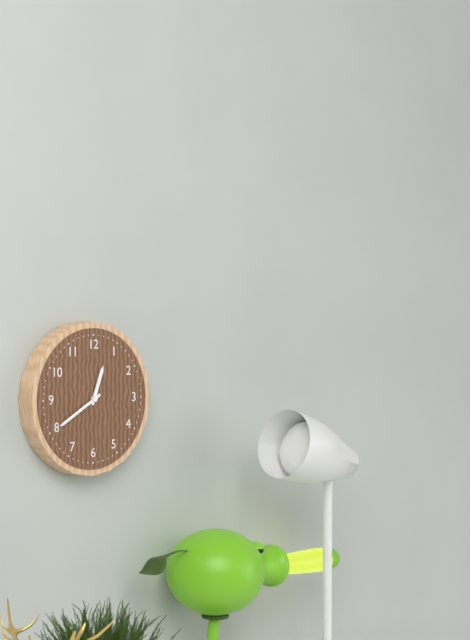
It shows 12:40
